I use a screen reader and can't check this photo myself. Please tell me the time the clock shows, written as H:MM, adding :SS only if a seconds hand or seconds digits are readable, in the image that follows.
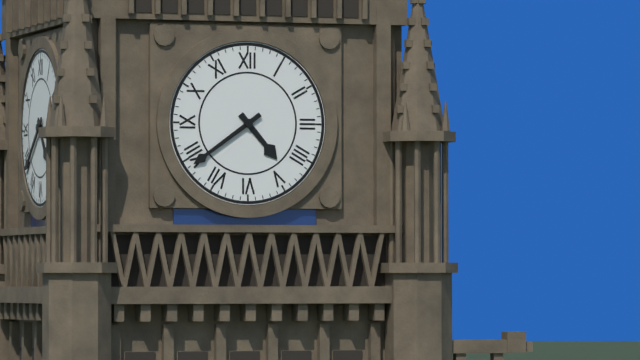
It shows 4:39
